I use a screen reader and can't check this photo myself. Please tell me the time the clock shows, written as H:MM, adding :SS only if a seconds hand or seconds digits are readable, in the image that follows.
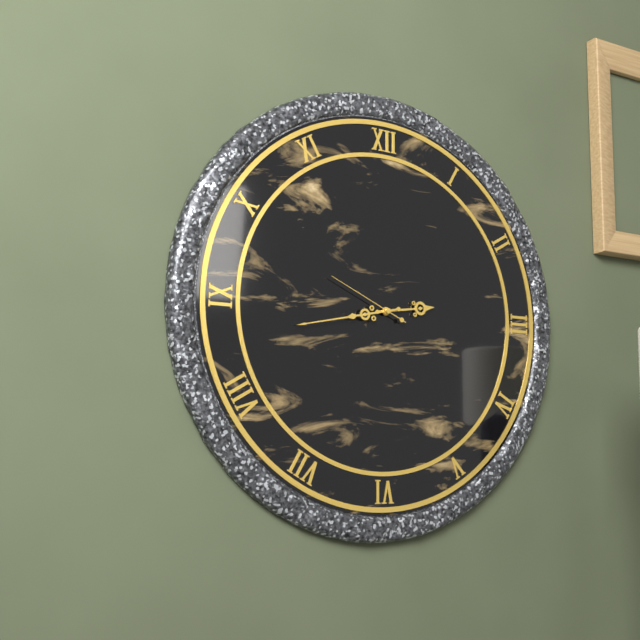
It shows 2:43:49
